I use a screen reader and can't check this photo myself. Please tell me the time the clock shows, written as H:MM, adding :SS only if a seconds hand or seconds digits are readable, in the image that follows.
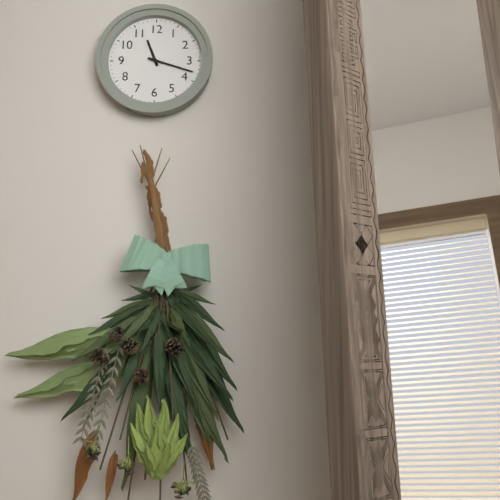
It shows 11:18
